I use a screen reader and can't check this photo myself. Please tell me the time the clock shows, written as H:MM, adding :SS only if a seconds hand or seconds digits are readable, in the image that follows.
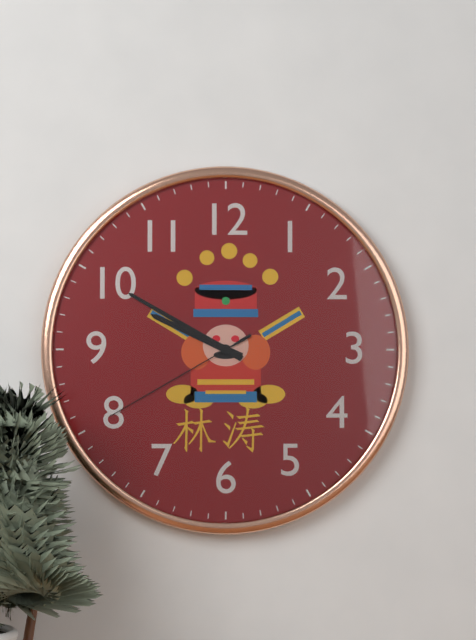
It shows 9:50:40
